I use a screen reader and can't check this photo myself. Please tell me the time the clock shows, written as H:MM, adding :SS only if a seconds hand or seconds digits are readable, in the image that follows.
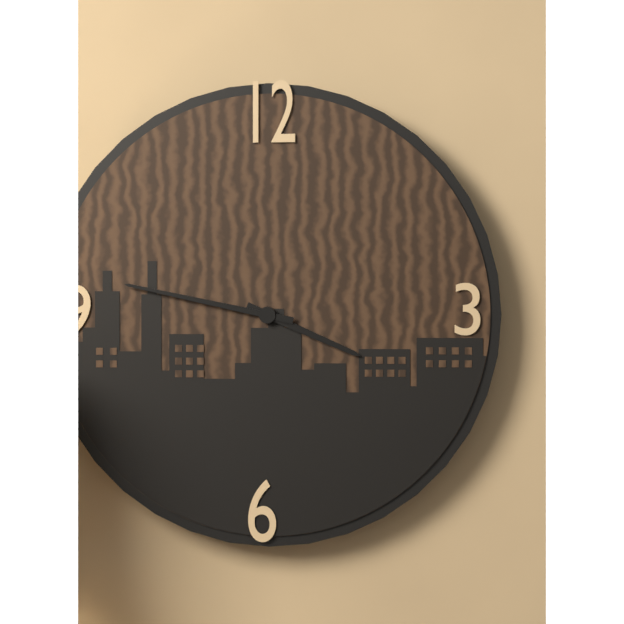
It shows 3:47
